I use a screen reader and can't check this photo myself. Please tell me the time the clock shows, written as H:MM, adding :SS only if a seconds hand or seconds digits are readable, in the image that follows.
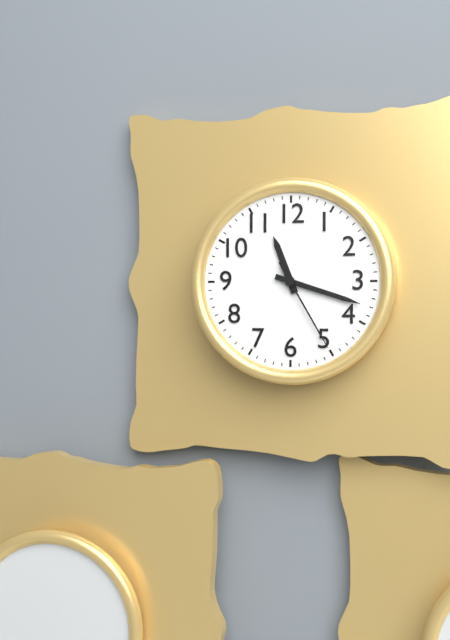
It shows 11:18:25
